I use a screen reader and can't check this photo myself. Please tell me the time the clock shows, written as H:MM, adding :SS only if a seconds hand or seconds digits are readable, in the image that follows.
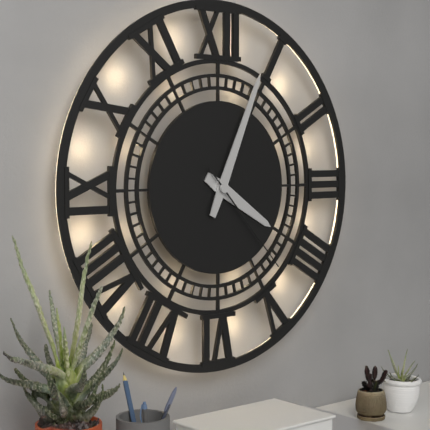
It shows 4:04:23
